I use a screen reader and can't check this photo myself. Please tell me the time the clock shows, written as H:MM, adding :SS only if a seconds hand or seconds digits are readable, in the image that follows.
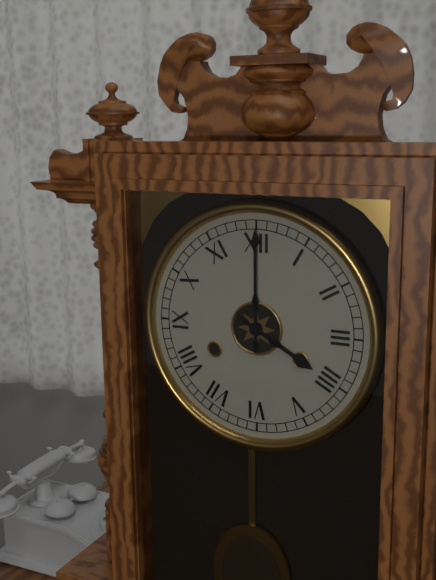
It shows 4:00
